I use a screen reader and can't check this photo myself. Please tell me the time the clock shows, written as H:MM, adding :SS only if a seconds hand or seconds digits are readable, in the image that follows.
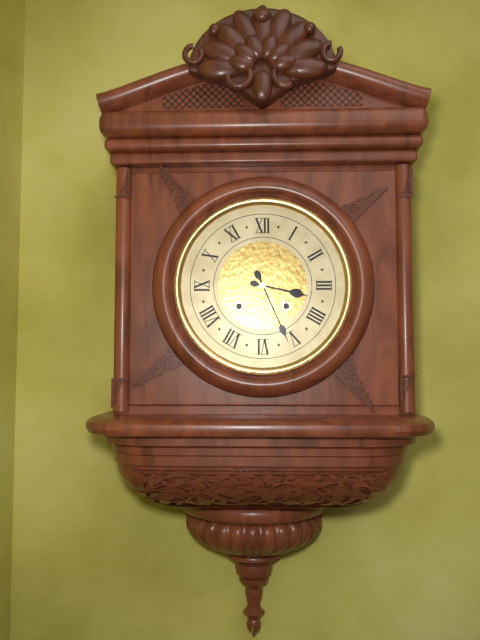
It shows 3:26
